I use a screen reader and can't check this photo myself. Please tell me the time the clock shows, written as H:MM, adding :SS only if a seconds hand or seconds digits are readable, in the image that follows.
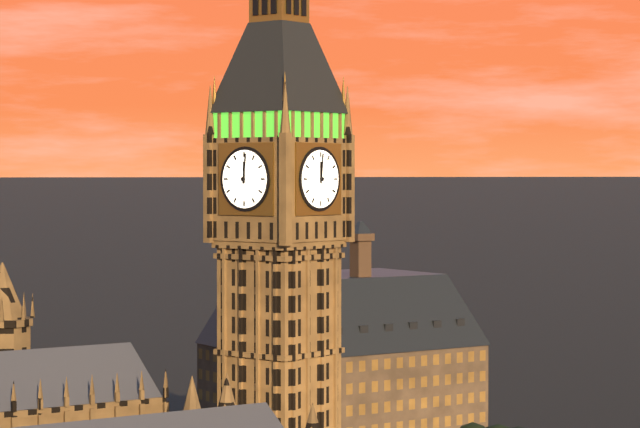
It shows 12:01
